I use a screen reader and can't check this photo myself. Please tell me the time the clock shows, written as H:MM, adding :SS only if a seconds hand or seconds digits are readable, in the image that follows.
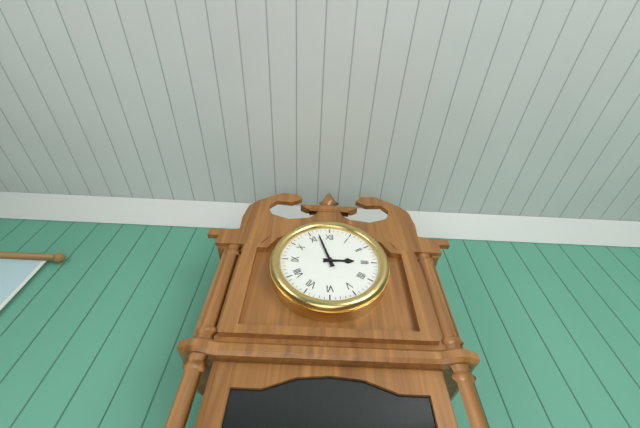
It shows 2:57
